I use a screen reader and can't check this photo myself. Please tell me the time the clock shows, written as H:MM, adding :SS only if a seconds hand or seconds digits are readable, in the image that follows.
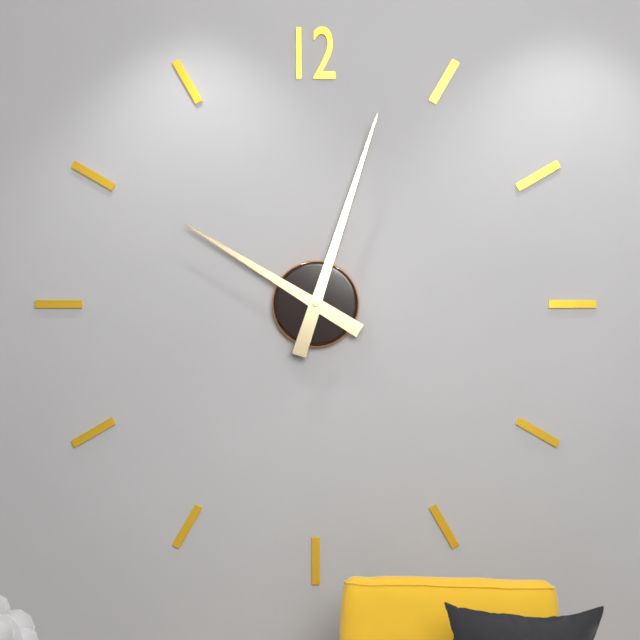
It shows 10:03
